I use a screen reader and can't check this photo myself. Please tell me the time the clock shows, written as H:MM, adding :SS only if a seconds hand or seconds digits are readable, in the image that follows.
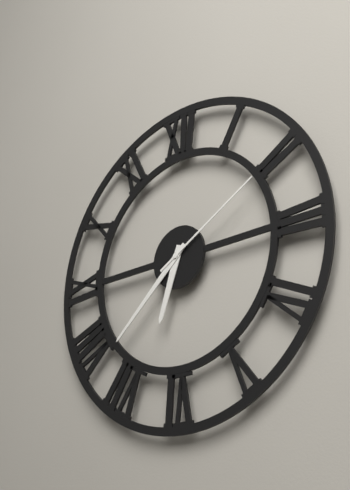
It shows 6:38:10
